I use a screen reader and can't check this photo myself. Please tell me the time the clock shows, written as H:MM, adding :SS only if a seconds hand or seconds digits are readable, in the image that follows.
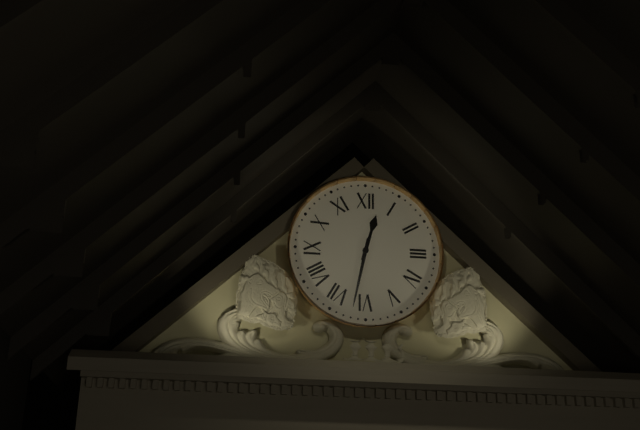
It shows 12:32
